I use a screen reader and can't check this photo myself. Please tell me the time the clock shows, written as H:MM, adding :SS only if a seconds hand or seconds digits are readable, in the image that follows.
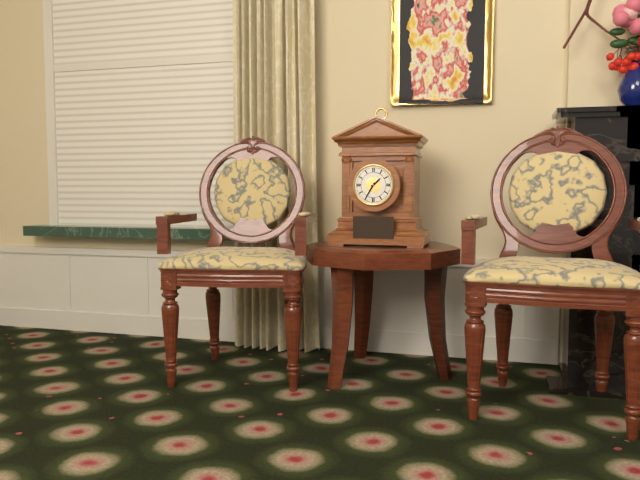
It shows 1:35
